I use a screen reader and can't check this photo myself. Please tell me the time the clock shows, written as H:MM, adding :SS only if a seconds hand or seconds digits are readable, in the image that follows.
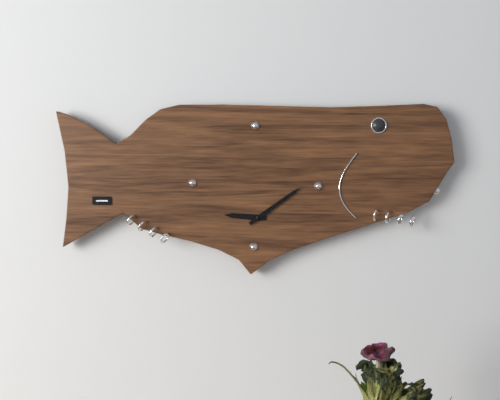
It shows 9:09
